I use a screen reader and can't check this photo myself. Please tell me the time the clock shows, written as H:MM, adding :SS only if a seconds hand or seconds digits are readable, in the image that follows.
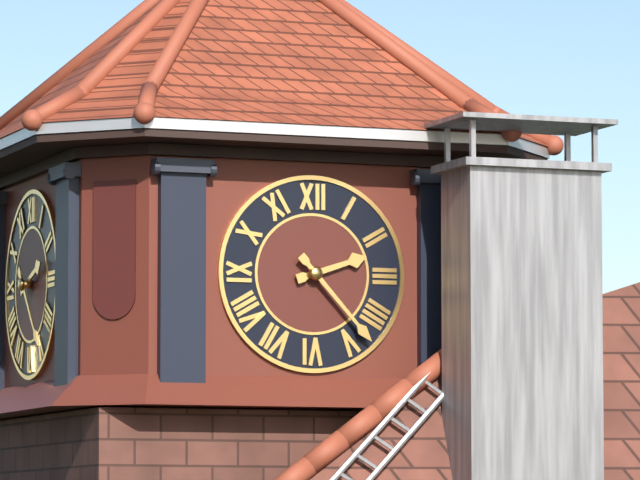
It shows 2:23
